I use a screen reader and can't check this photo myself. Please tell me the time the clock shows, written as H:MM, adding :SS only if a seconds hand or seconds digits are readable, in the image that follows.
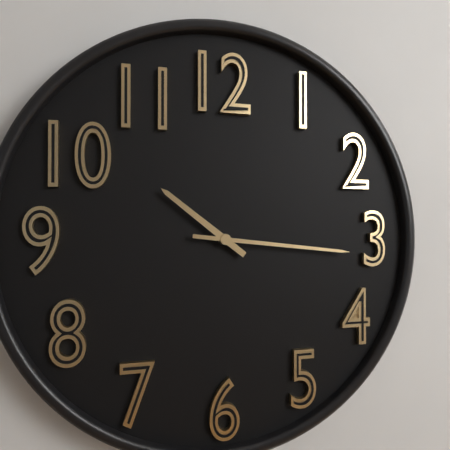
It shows 10:16
